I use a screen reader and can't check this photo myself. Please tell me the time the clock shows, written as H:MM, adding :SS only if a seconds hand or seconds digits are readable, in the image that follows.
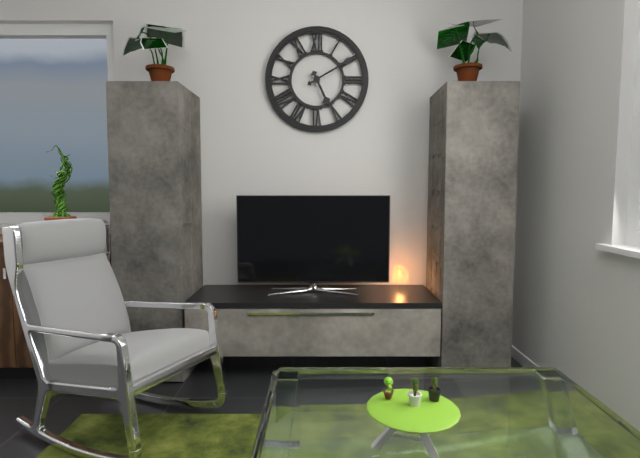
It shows 5:10
